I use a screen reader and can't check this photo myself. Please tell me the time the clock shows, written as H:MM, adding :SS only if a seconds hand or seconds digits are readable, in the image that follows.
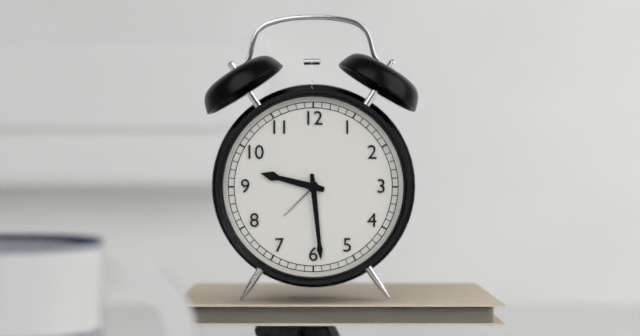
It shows 9:29
